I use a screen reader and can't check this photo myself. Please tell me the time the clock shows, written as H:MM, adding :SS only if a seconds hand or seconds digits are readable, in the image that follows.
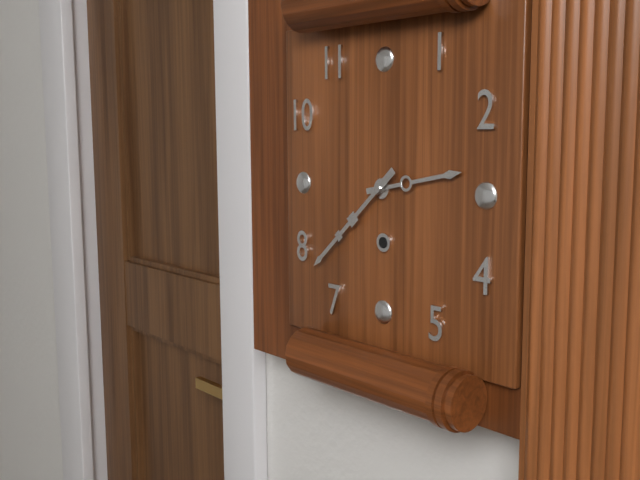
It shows 2:38
